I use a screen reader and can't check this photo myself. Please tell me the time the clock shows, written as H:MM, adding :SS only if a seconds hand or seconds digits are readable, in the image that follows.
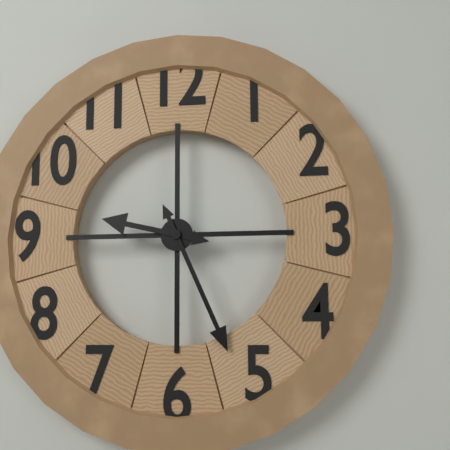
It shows 9:26
